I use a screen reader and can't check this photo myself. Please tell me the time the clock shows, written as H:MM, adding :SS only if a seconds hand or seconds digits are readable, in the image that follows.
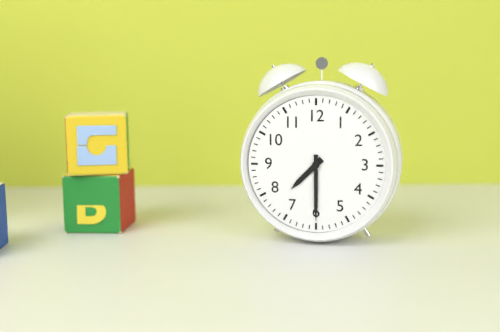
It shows 7:30
